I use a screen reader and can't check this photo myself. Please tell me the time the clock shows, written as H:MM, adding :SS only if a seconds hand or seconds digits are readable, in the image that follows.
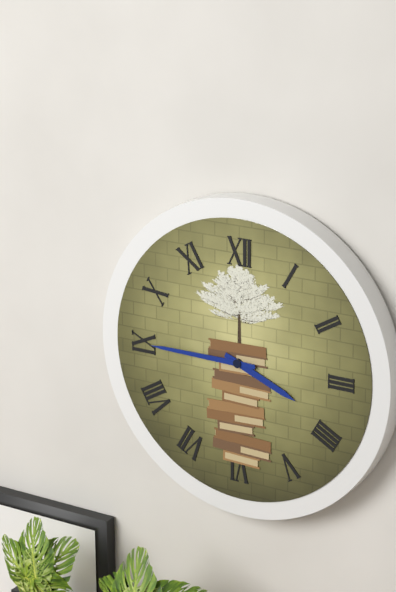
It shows 3:45
